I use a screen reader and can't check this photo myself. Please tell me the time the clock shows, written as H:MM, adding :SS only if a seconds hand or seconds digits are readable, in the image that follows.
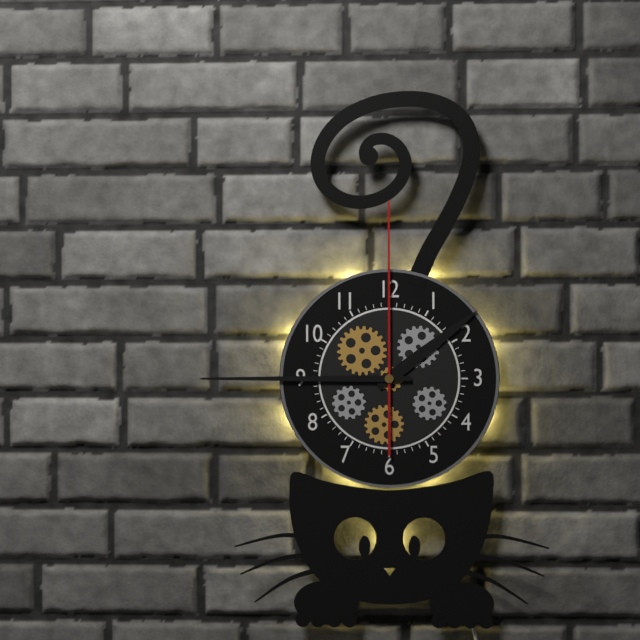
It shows 1:45:00
